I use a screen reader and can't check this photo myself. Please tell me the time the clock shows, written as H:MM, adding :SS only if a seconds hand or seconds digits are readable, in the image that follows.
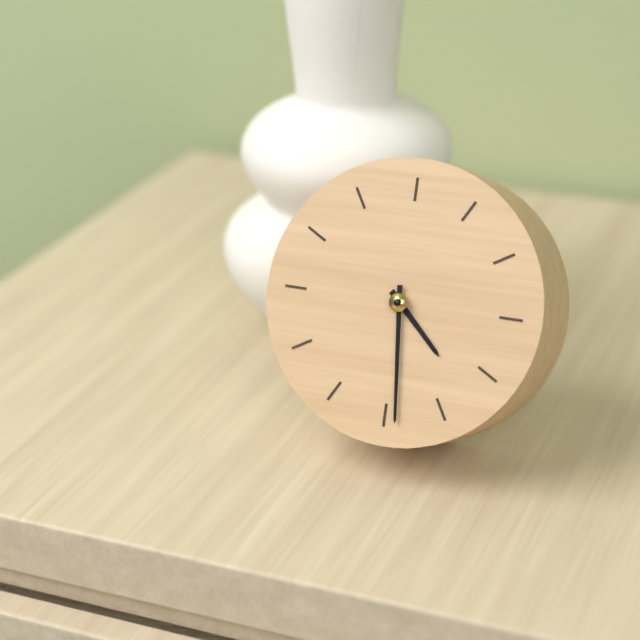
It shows 4:29
